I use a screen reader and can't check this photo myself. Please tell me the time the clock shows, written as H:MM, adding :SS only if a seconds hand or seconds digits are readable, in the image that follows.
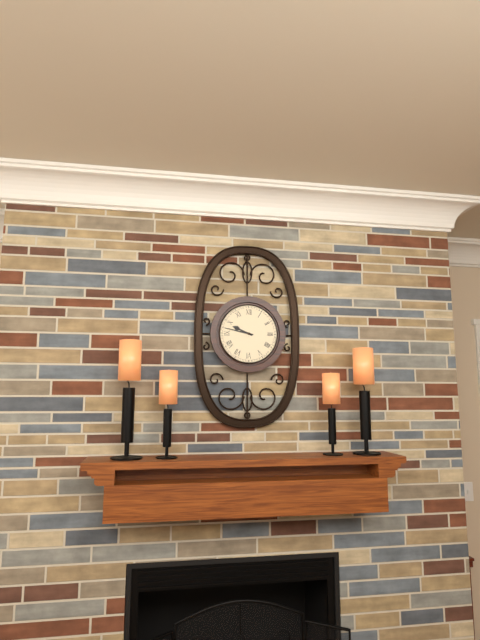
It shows 9:47
